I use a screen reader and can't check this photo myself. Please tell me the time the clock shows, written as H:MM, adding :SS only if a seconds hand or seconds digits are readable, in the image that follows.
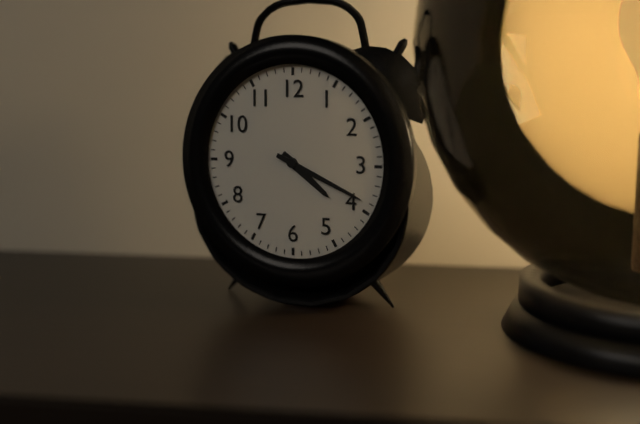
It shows 4:19
